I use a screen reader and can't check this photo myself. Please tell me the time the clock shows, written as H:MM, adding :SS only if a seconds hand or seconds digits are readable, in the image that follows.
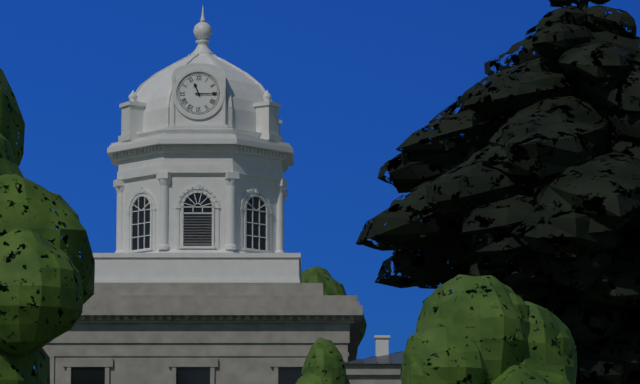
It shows 11:15
